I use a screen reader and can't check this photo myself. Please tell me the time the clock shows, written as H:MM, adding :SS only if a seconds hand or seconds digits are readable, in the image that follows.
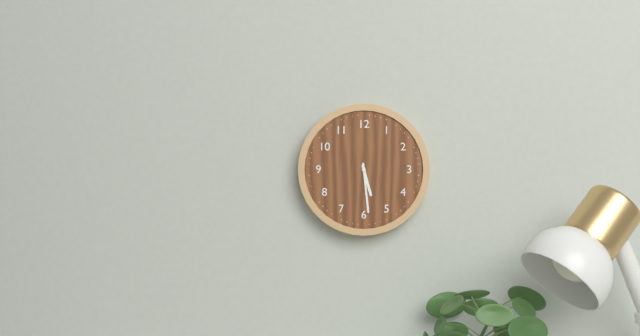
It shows 5:29
